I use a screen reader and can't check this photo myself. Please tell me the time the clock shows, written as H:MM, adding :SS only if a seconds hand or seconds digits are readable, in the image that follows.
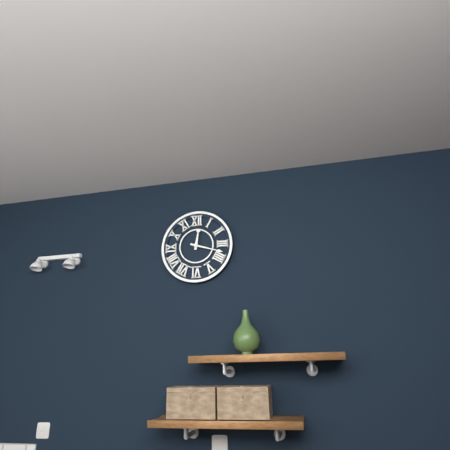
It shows 12:18
